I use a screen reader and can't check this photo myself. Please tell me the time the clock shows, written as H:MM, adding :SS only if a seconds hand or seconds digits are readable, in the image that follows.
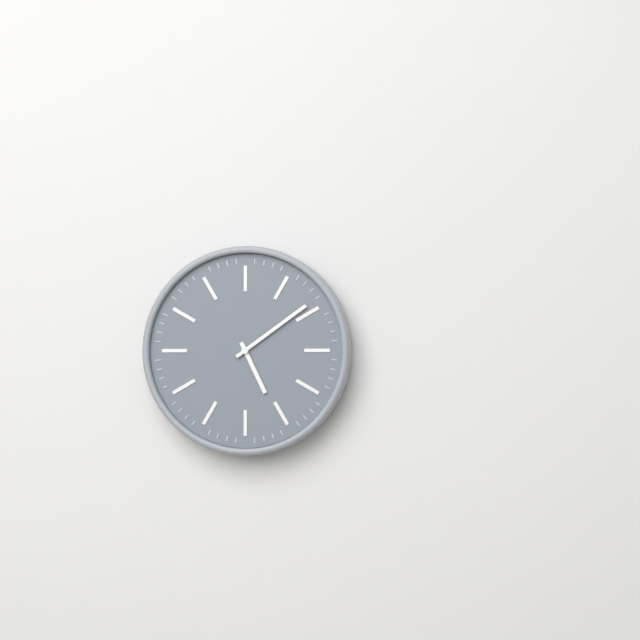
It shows 5:09
